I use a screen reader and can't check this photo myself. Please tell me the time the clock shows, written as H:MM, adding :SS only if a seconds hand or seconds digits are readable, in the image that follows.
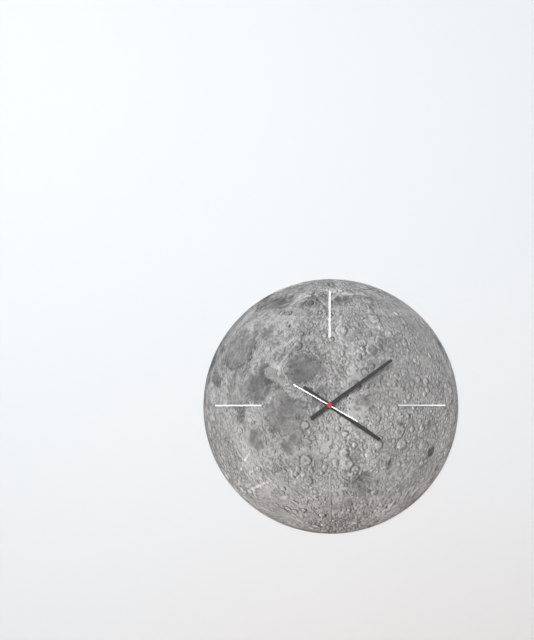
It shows 4:09:50
